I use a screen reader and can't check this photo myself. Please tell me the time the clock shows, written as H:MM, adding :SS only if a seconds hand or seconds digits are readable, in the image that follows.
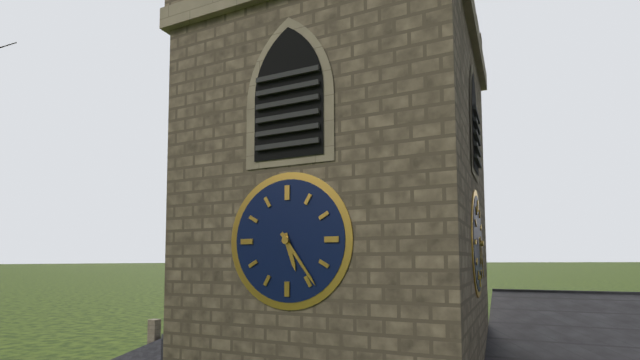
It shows 5:24
